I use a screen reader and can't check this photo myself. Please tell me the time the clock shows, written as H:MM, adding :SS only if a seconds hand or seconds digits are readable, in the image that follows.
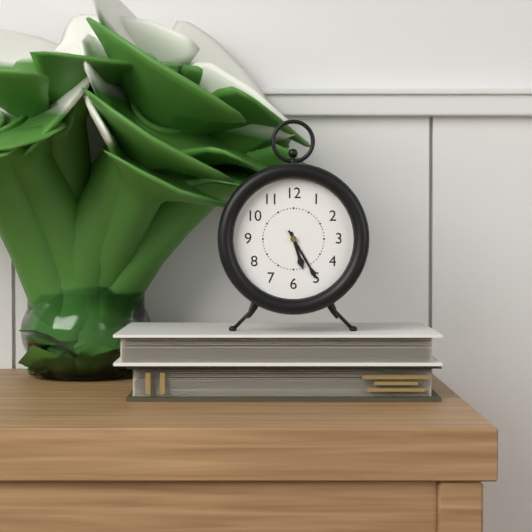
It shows 5:25
